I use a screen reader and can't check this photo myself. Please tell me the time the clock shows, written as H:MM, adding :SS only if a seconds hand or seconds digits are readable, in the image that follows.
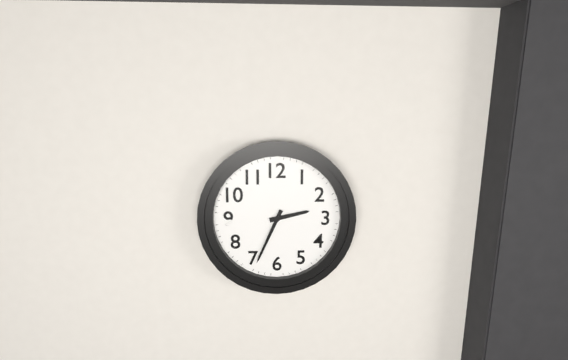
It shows 2:34
